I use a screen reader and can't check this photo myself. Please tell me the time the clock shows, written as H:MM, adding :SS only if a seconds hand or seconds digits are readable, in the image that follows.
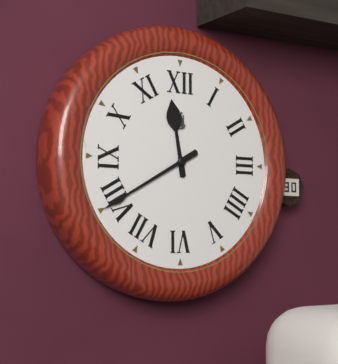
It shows 11:40
